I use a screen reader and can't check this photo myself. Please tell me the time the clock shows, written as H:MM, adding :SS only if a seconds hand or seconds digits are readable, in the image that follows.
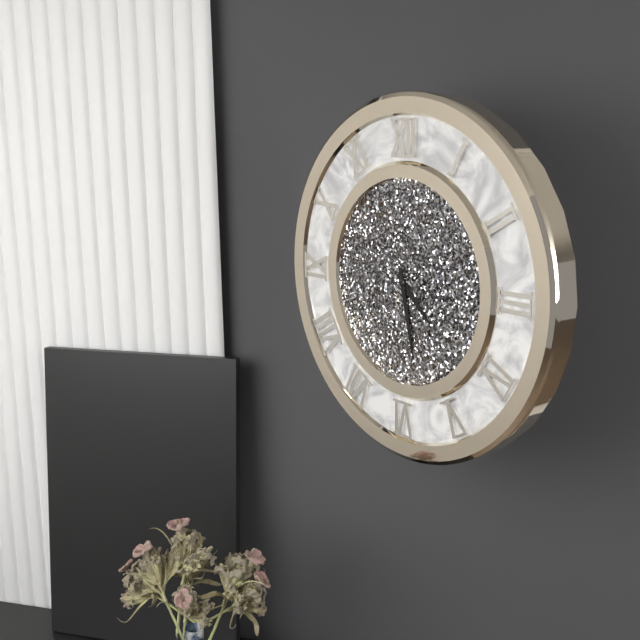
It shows 4:28
